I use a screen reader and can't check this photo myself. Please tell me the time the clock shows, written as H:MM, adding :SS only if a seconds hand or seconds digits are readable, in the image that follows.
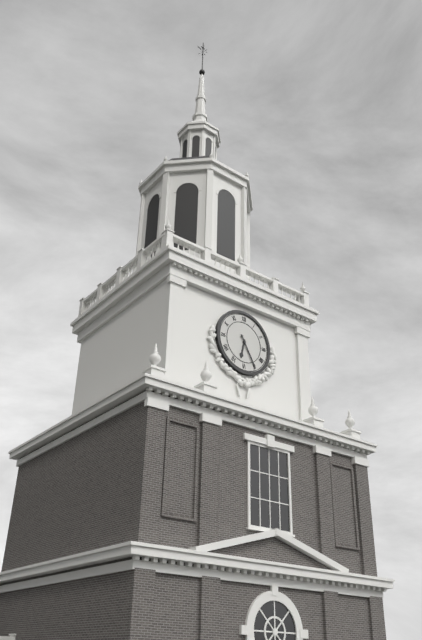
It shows 6:25
